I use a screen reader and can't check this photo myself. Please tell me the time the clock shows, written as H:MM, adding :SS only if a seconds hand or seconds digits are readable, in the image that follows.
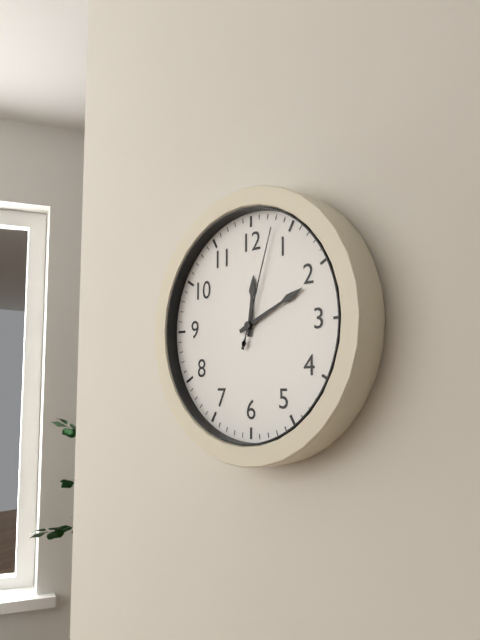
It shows 12:11:03
